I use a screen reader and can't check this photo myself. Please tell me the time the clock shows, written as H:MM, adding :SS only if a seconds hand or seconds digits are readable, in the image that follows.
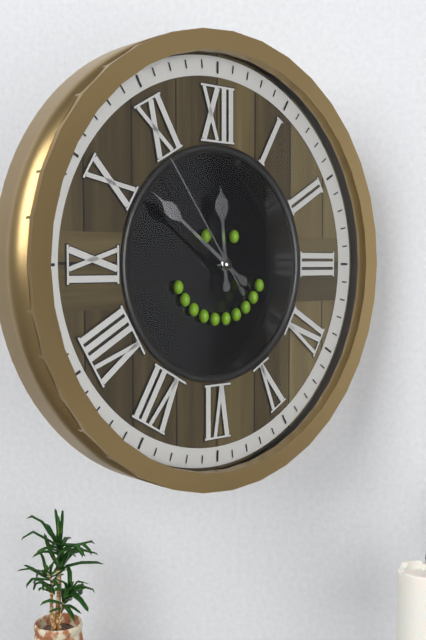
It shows 11:51:54
